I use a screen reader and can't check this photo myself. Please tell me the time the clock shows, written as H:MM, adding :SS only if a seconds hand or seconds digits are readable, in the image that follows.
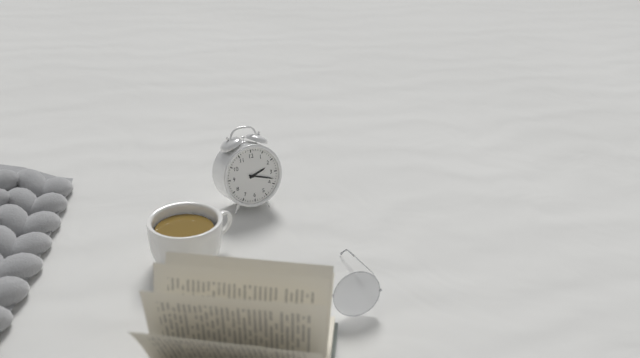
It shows 2:18
